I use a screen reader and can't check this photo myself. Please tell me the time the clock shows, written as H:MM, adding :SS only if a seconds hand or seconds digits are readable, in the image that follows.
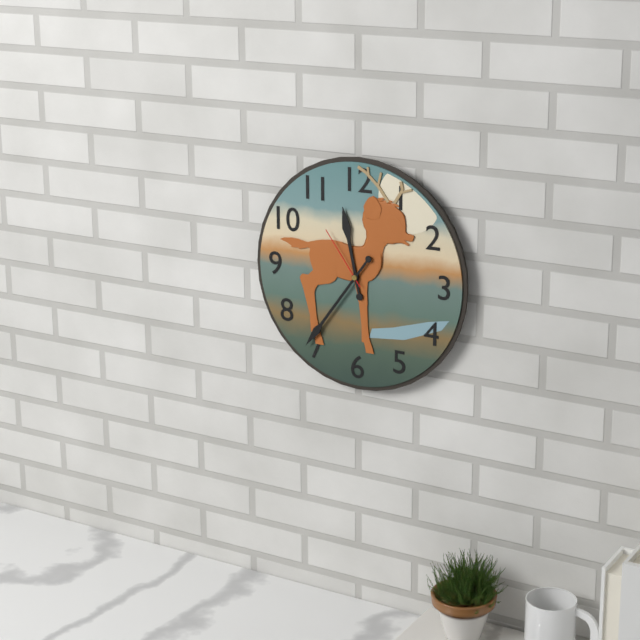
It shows 11:36:54
